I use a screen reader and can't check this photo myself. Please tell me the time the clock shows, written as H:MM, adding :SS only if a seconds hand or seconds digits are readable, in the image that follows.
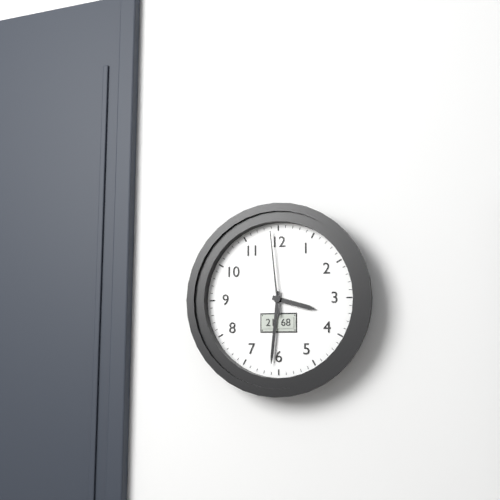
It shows 3:31:59
